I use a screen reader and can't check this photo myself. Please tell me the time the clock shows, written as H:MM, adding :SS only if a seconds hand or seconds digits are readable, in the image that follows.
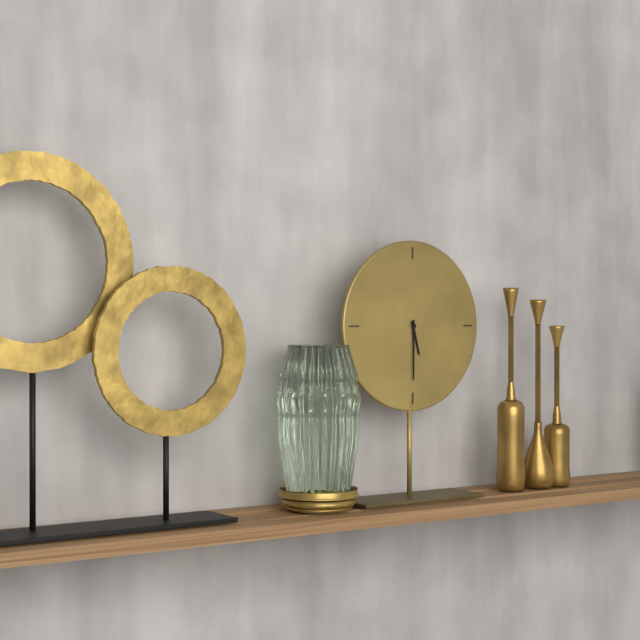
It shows 5:30
